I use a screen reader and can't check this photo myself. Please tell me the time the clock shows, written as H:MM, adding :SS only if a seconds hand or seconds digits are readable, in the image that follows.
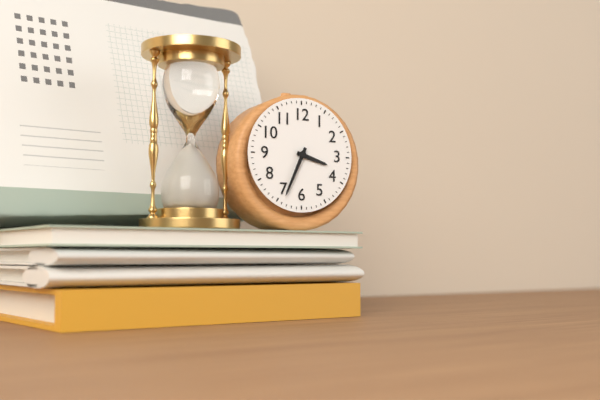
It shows 3:34
